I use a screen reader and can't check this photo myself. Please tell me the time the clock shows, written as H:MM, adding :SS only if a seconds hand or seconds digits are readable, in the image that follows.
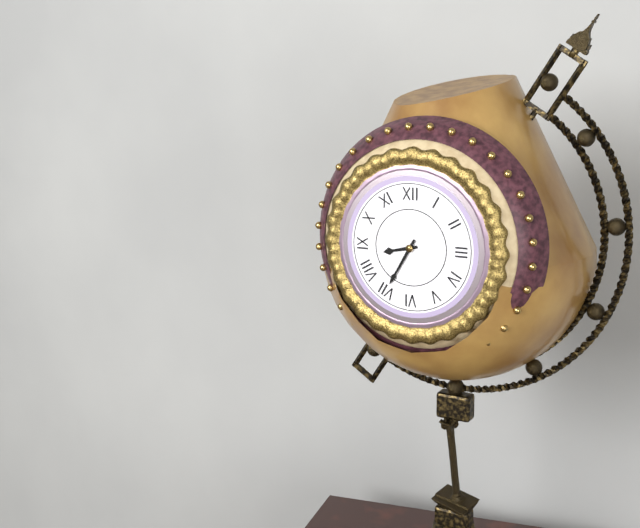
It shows 8:35
